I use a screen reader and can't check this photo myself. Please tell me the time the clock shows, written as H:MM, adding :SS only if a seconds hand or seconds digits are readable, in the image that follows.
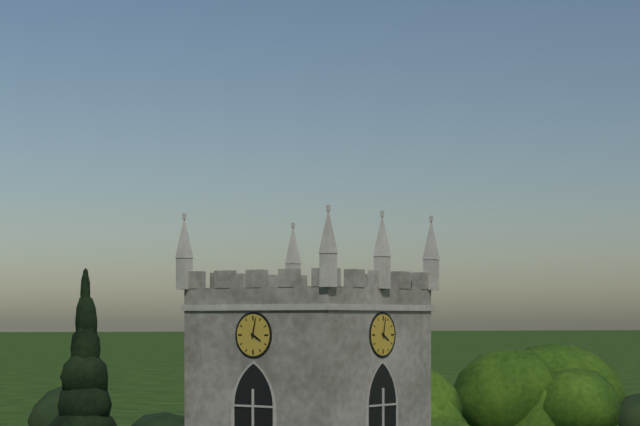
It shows 4:02
